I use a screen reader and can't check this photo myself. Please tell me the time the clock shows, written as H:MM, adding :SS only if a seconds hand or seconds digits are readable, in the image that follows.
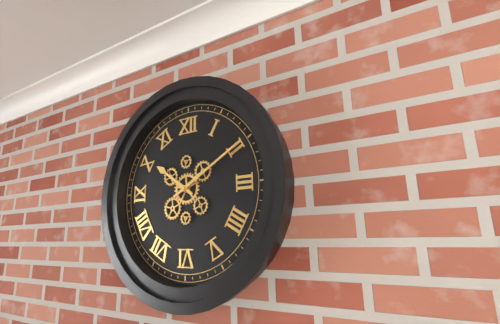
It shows 10:10
